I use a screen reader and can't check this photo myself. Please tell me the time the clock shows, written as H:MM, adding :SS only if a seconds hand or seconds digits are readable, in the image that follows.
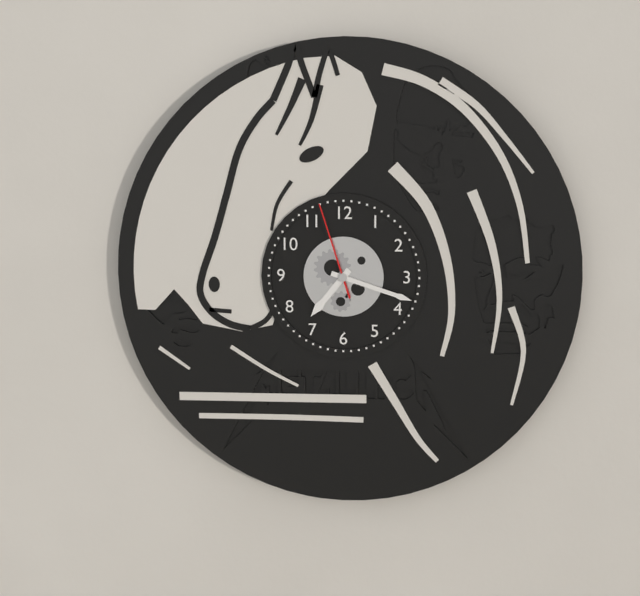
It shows 7:18:57
